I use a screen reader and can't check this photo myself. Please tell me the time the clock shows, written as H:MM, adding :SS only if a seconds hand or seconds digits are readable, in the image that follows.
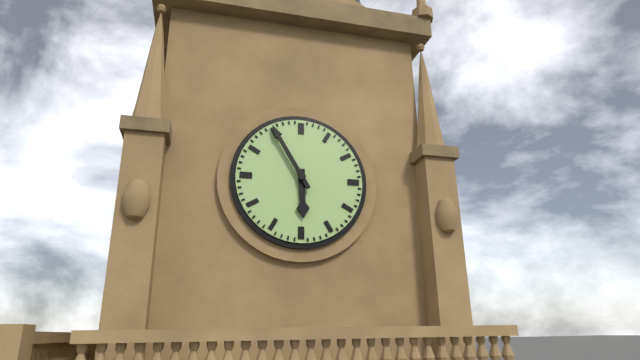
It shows 5:55
